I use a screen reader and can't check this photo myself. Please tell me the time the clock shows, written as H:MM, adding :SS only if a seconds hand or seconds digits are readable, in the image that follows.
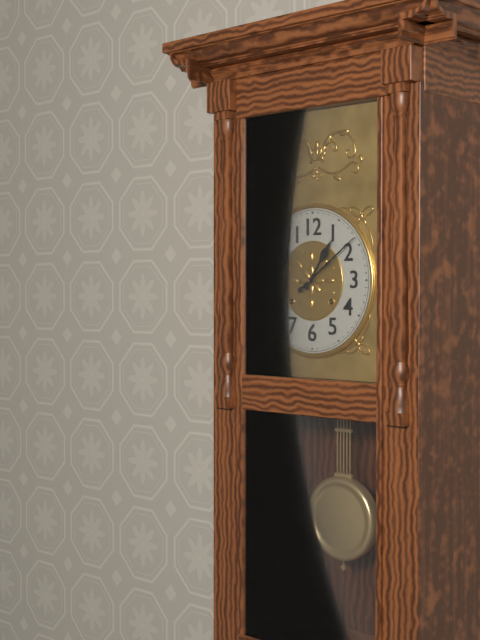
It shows 1:09
